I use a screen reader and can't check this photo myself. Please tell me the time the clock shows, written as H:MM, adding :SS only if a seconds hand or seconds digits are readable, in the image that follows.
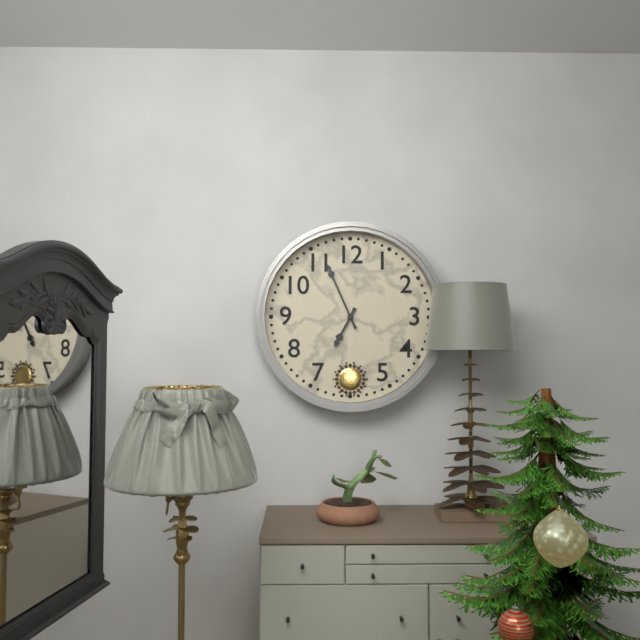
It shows 6:56
